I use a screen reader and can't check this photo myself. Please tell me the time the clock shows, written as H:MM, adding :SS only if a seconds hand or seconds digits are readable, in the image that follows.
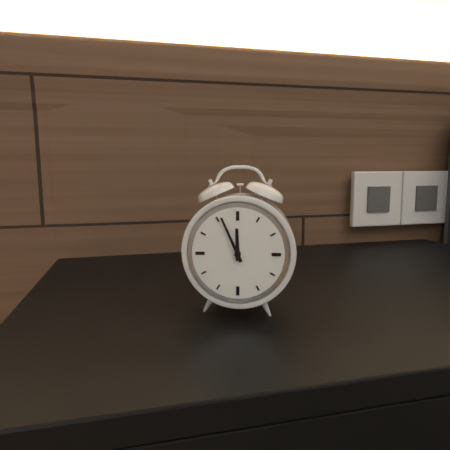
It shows 11:56
